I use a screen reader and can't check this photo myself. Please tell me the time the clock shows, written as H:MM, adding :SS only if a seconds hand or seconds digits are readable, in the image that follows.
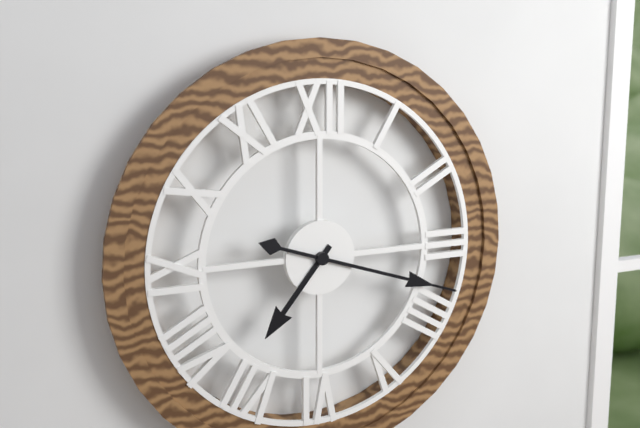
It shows 7:18
